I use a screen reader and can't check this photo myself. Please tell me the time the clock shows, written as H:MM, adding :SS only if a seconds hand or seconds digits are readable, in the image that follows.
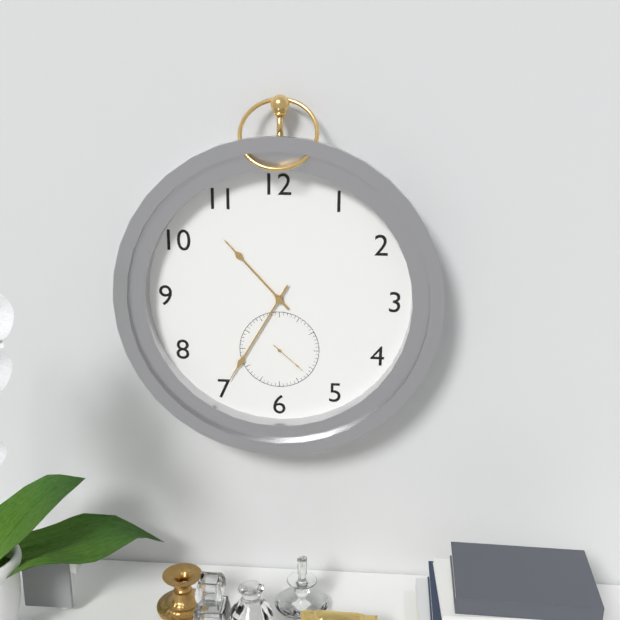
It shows 10:35
